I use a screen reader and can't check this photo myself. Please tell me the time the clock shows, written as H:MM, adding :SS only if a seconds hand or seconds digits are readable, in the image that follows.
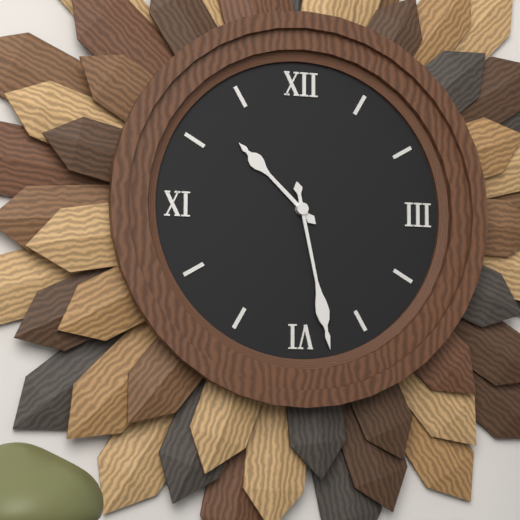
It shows 10:28
